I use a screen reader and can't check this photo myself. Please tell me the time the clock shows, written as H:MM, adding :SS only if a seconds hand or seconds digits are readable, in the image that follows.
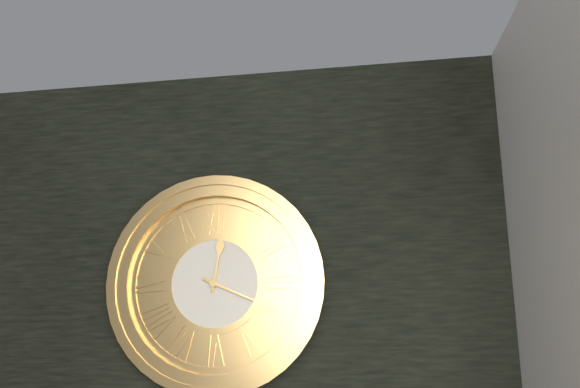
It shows 12:19
